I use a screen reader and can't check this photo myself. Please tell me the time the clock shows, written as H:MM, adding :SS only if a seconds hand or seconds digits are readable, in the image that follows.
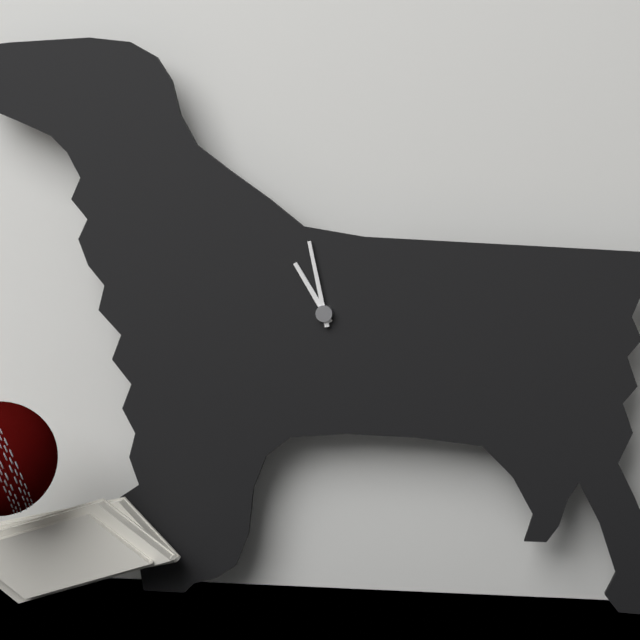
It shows 10:58
